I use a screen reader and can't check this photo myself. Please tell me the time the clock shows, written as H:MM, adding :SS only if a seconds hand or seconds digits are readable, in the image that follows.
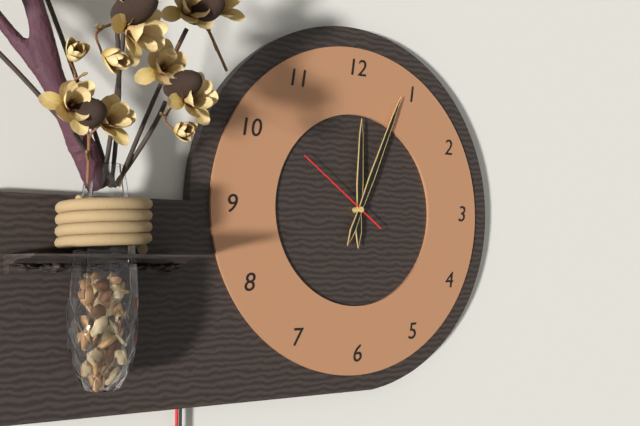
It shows 12:04:51
